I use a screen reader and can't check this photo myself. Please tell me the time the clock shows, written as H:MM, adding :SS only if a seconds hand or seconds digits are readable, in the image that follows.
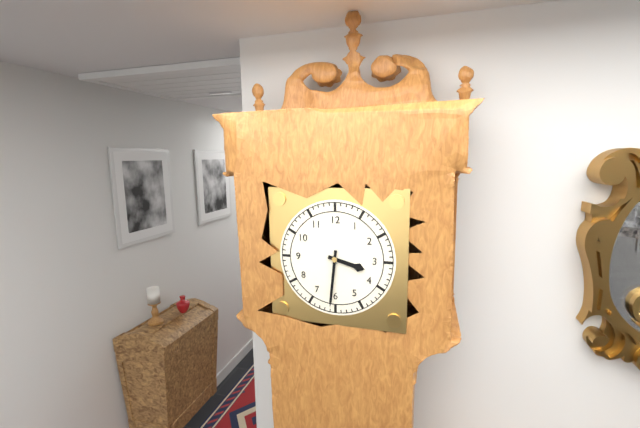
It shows 3:31
